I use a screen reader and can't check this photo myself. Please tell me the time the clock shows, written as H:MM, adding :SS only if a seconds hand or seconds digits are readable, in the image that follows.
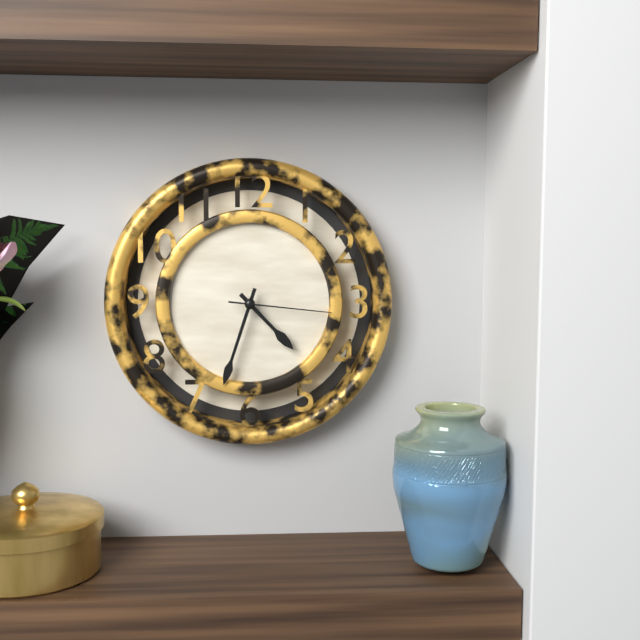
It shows 4:33:16
